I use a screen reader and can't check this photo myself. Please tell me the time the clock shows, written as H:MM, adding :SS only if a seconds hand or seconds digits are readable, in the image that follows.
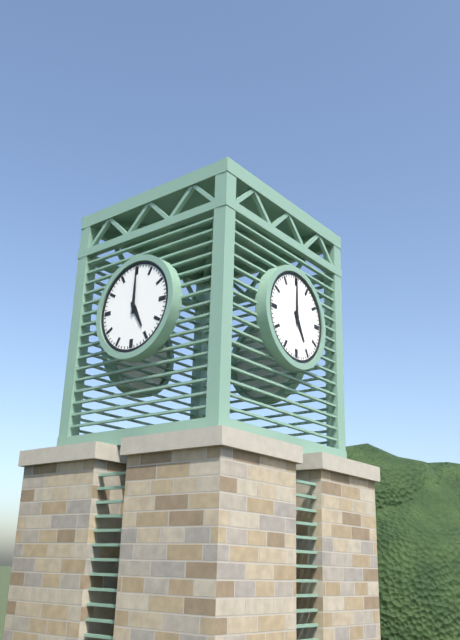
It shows 5:00
